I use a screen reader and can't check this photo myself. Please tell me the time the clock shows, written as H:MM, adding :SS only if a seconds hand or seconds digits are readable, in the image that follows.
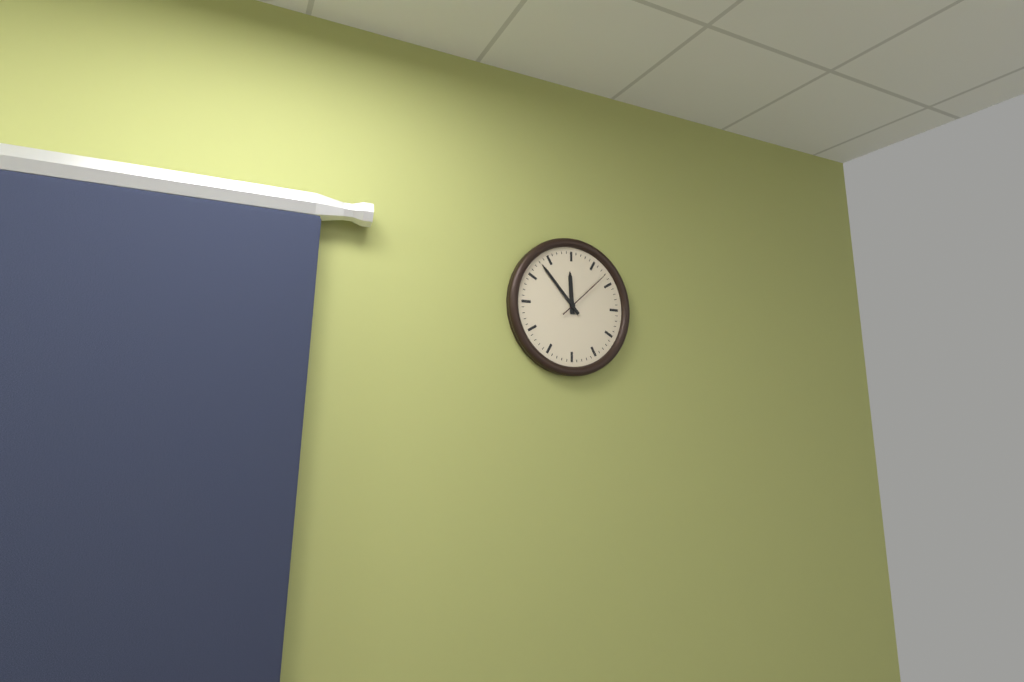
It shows 11:53:08
